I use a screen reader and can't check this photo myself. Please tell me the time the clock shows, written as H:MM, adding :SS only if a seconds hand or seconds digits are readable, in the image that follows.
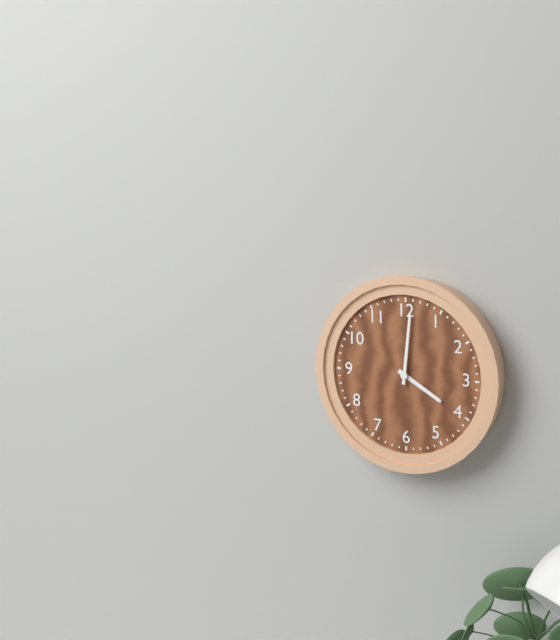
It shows 4:01
